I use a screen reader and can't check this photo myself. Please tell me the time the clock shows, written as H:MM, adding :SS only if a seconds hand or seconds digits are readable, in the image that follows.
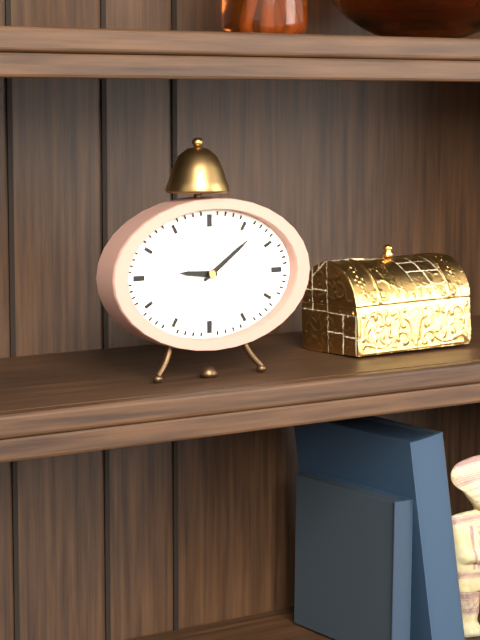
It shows 9:09
